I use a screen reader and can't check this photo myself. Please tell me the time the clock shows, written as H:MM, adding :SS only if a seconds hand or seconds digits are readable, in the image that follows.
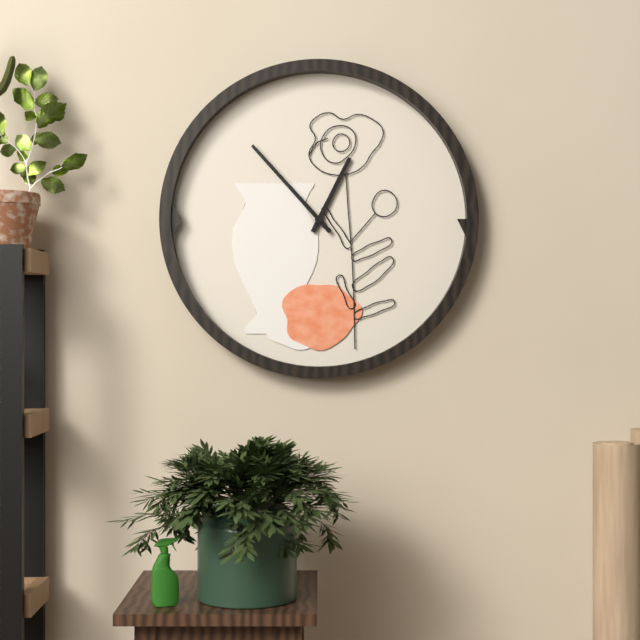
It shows 12:53
